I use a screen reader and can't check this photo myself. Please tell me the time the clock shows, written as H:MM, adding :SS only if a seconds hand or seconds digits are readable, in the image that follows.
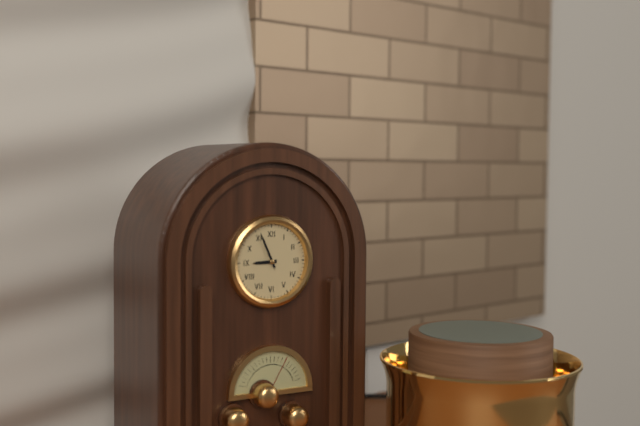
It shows 8:56
